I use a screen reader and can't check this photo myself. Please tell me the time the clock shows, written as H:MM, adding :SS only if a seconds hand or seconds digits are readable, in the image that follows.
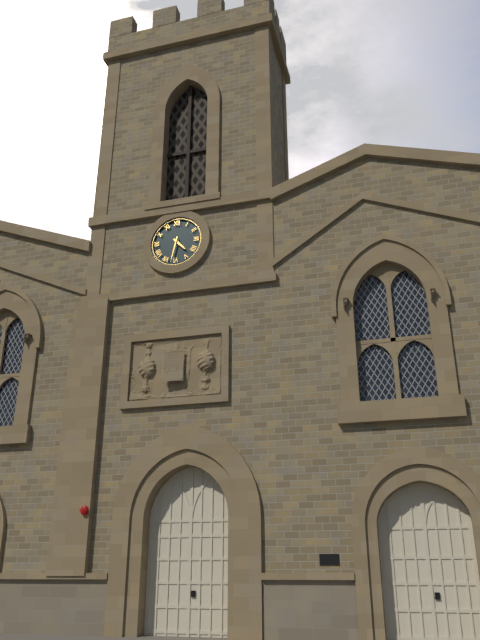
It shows 4:32
